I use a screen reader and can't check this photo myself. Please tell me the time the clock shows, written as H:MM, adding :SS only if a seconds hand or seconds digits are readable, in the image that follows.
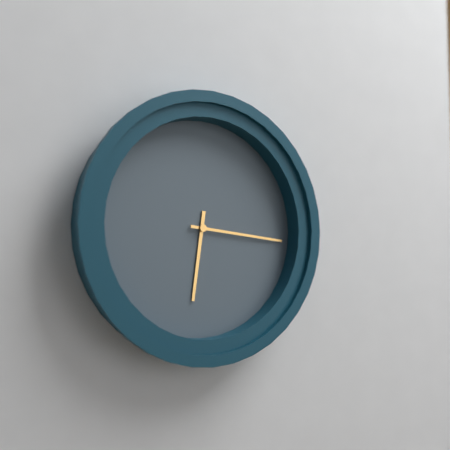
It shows 6:16
